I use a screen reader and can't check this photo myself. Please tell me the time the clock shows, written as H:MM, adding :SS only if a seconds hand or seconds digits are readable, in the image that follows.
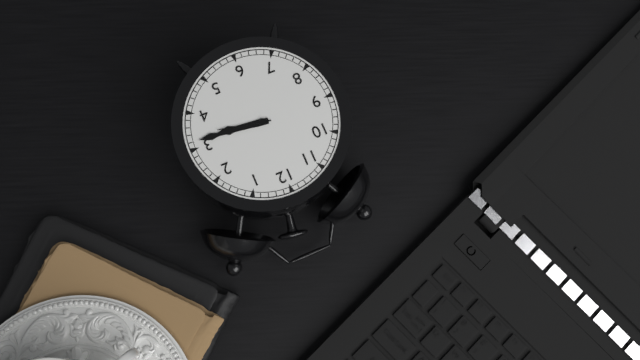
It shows 3:16:17
